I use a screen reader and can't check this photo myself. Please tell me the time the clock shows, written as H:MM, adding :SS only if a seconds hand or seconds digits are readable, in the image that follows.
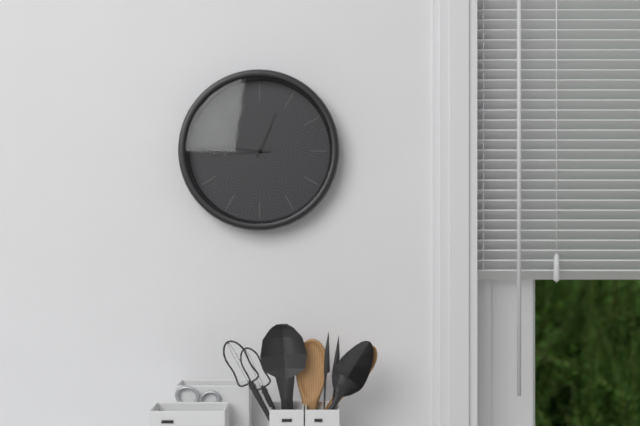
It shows 12:46:44
